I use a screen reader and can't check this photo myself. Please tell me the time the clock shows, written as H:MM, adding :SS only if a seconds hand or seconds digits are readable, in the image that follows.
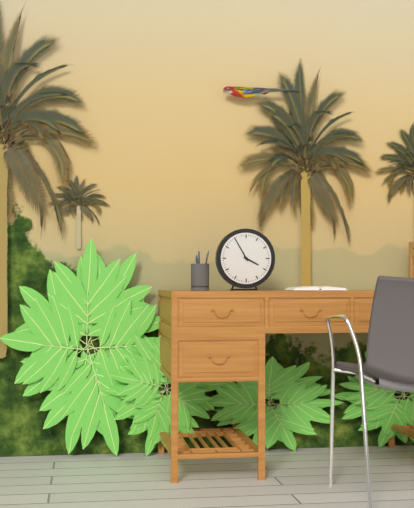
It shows 3:55
